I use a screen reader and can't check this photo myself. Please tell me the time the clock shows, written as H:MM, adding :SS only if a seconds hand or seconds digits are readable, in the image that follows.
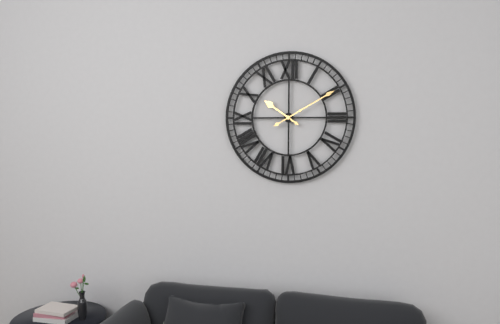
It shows 10:10
